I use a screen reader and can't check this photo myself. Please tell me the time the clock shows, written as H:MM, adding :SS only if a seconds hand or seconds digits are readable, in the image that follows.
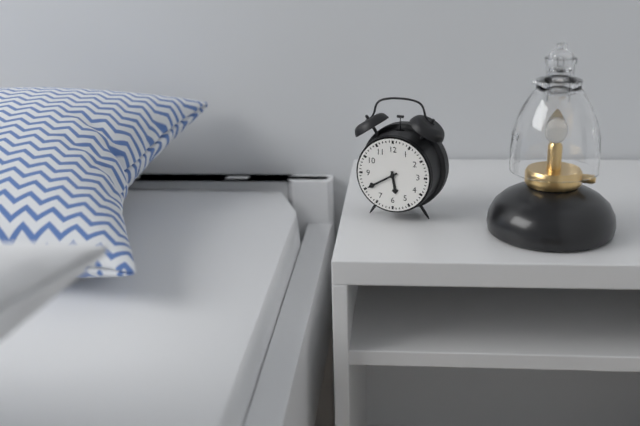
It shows 5:40
